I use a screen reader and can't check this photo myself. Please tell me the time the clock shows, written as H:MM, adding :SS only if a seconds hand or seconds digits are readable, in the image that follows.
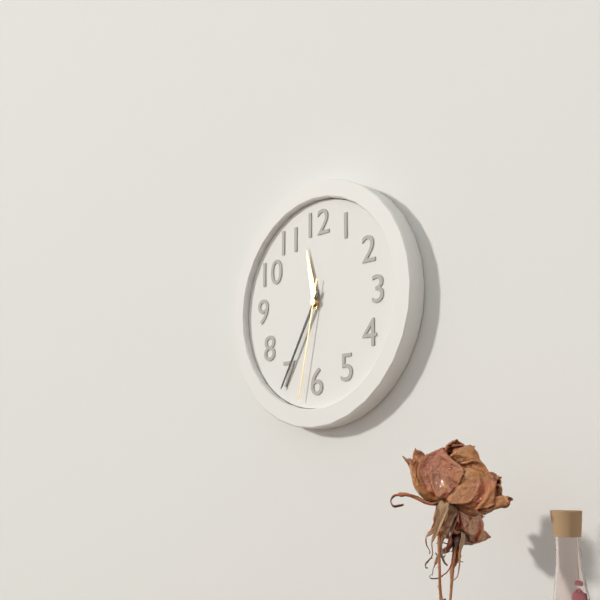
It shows 11:35:32
